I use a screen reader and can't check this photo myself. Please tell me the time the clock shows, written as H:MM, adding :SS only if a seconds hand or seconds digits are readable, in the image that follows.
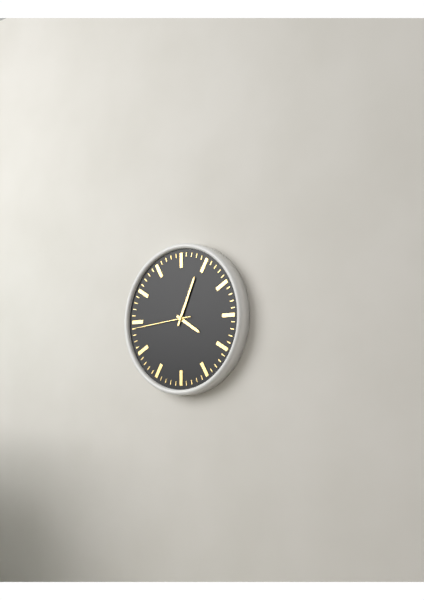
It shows 4:04:44
